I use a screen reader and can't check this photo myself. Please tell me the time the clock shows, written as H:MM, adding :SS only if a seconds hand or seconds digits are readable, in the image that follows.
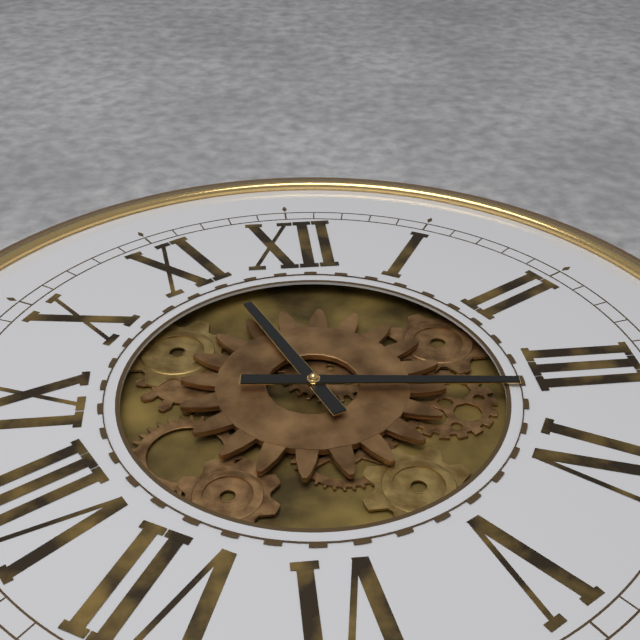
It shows 11:16
